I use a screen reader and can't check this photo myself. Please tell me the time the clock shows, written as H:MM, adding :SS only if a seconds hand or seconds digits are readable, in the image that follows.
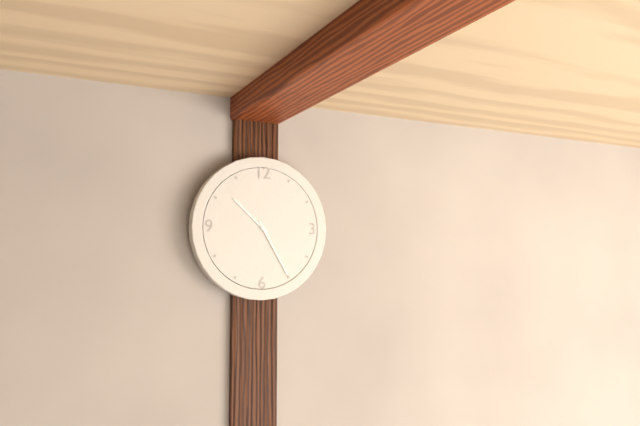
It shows 10:25
